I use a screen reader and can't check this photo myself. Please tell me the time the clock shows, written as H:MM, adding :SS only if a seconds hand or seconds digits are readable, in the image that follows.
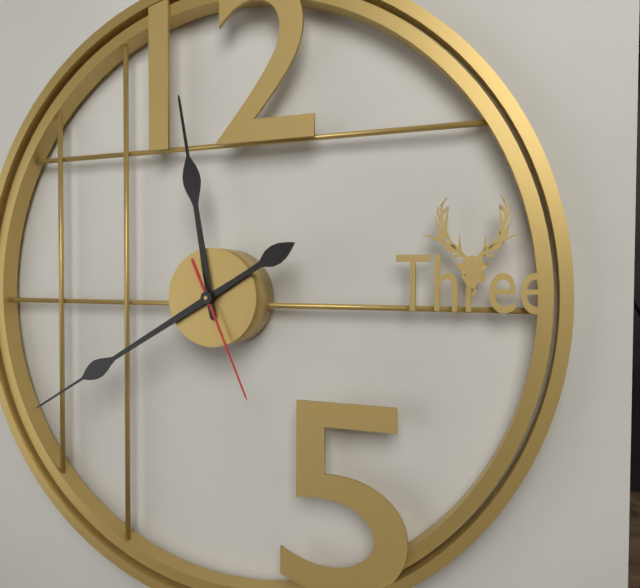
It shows 11:40:26
